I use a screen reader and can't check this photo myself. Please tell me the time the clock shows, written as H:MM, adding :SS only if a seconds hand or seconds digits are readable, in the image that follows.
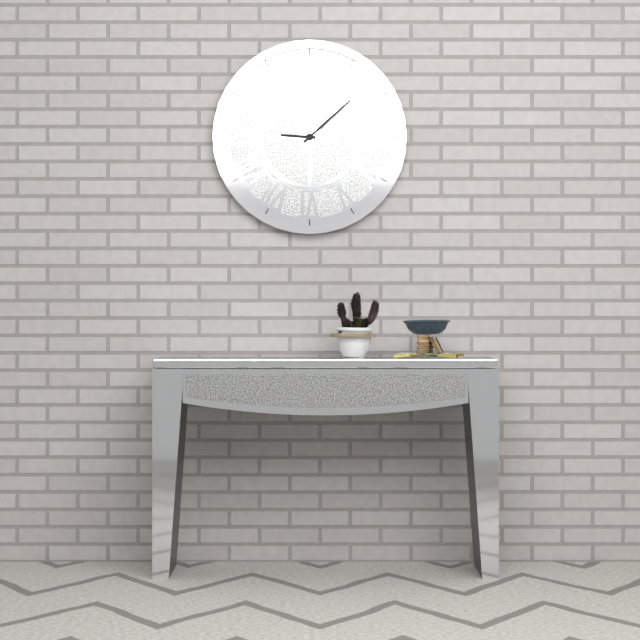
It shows 9:08
